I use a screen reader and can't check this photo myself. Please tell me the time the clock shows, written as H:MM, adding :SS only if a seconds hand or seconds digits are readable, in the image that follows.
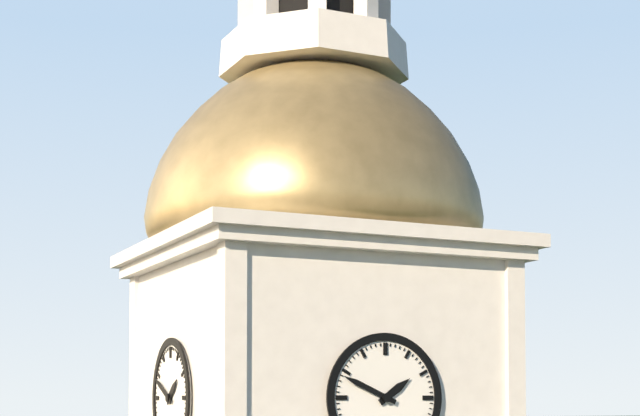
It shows 1:49
